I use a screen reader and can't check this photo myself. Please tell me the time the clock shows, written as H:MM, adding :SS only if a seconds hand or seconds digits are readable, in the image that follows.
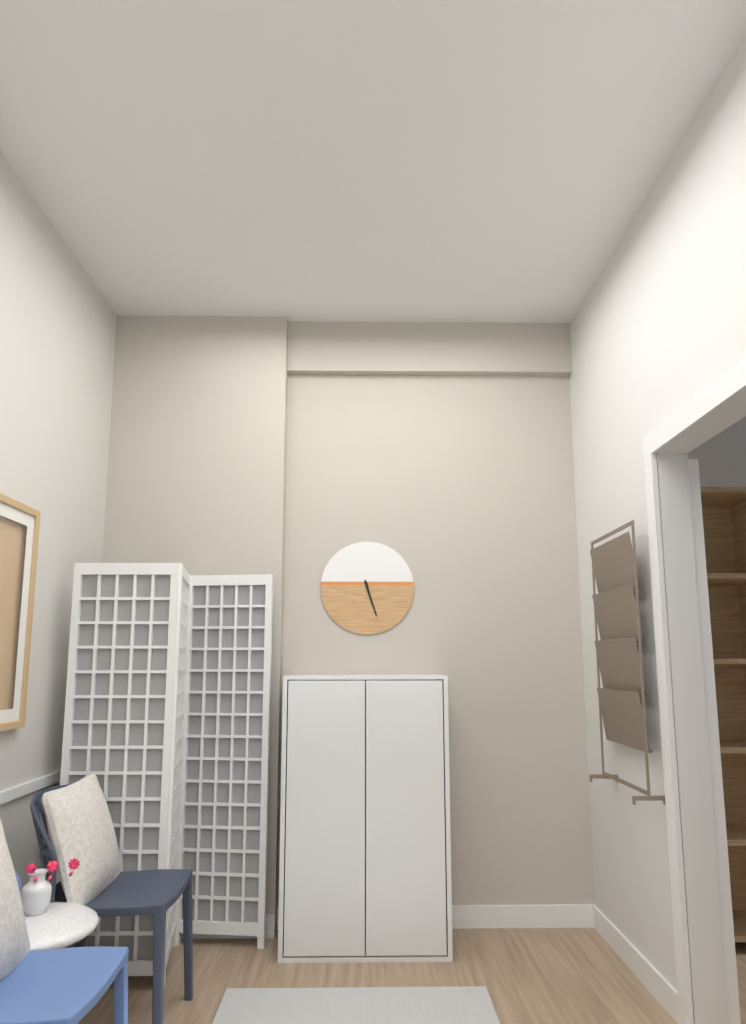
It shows 5:27
